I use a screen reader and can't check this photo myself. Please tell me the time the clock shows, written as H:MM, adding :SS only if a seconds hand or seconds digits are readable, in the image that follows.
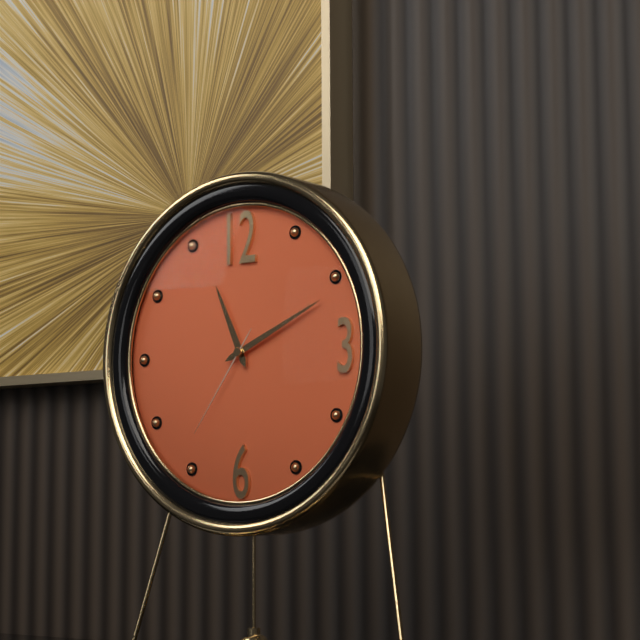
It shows 11:11:36
